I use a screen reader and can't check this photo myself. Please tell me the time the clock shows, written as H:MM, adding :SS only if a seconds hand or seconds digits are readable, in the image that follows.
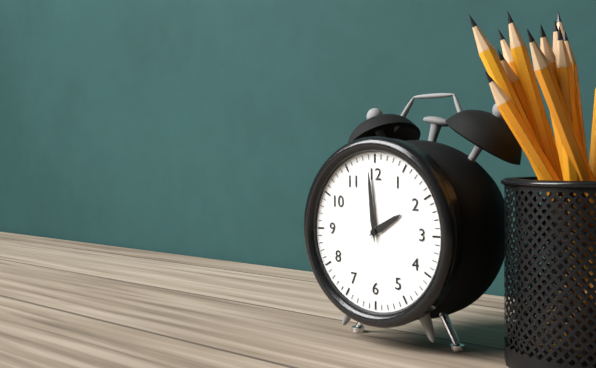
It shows 1:59
